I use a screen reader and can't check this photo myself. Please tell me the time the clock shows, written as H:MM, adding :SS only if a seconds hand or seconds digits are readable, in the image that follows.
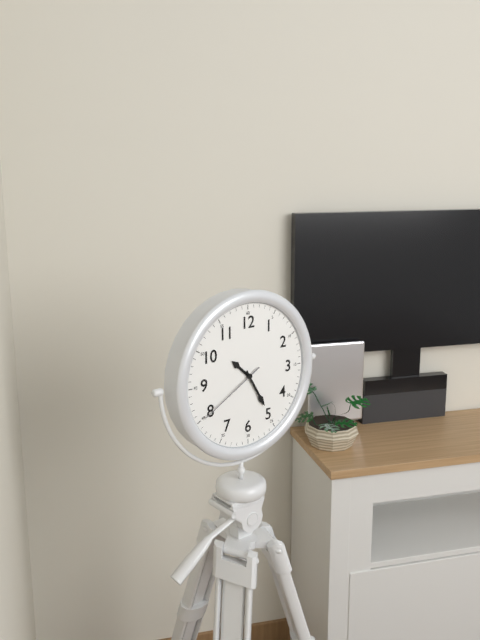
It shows 10:25:40
